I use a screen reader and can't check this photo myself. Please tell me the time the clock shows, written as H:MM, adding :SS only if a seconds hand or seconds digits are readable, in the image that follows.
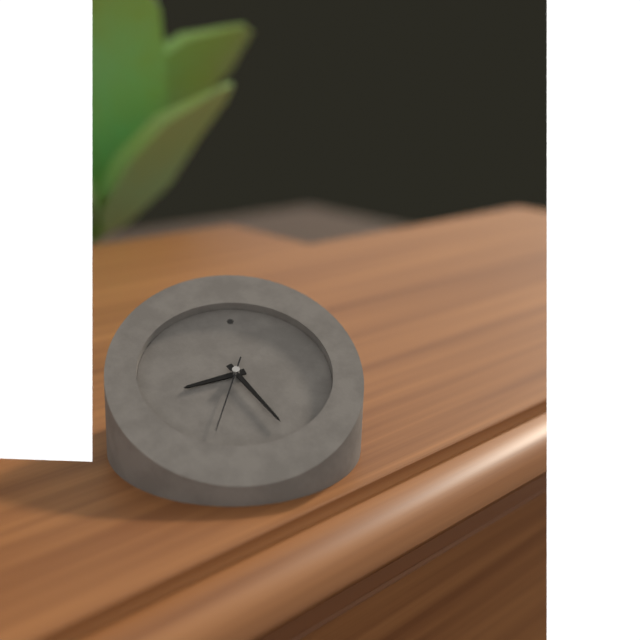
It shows 8:25:33
